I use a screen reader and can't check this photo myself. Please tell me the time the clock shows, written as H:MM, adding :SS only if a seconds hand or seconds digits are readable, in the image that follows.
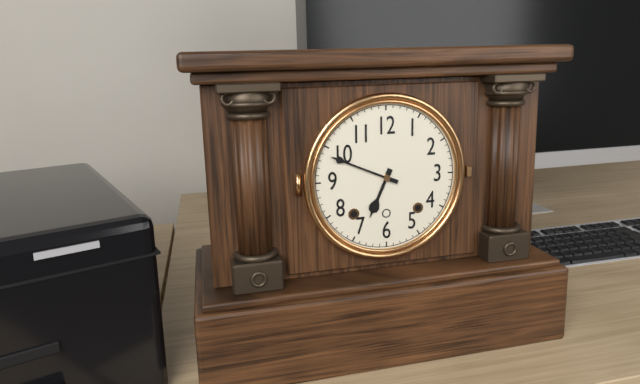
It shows 6:49
